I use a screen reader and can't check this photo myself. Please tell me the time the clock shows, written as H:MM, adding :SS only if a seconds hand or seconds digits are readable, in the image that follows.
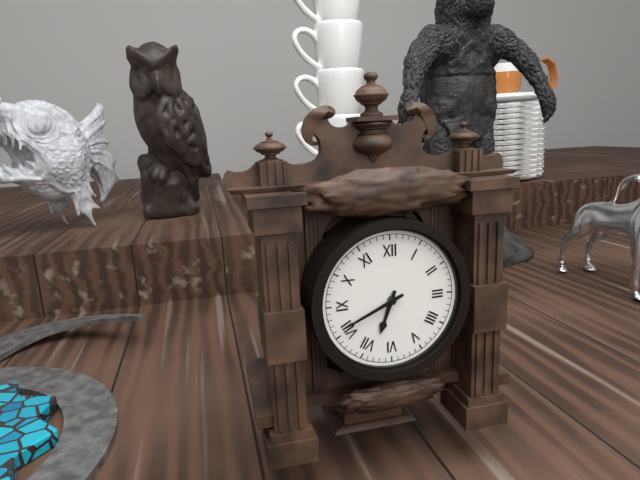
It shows 6:41
